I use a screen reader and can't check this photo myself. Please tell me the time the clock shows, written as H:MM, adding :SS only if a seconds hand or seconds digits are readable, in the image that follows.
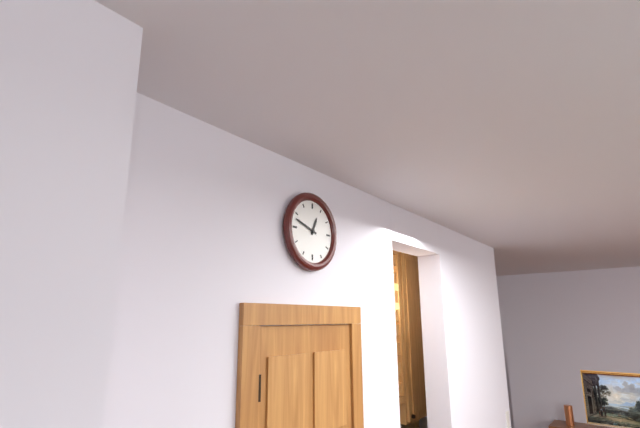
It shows 12:48
